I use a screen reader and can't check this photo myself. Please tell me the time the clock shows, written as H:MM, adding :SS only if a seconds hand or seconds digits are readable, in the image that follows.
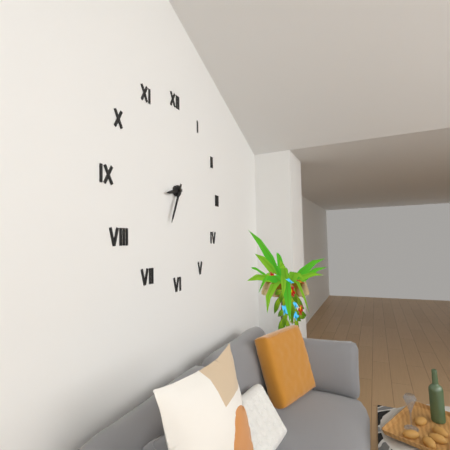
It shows 8:34
